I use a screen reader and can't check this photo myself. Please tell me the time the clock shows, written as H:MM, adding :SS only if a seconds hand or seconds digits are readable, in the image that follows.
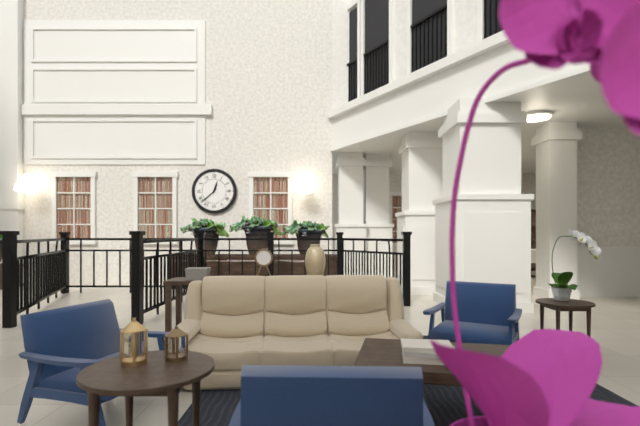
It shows 12:38
